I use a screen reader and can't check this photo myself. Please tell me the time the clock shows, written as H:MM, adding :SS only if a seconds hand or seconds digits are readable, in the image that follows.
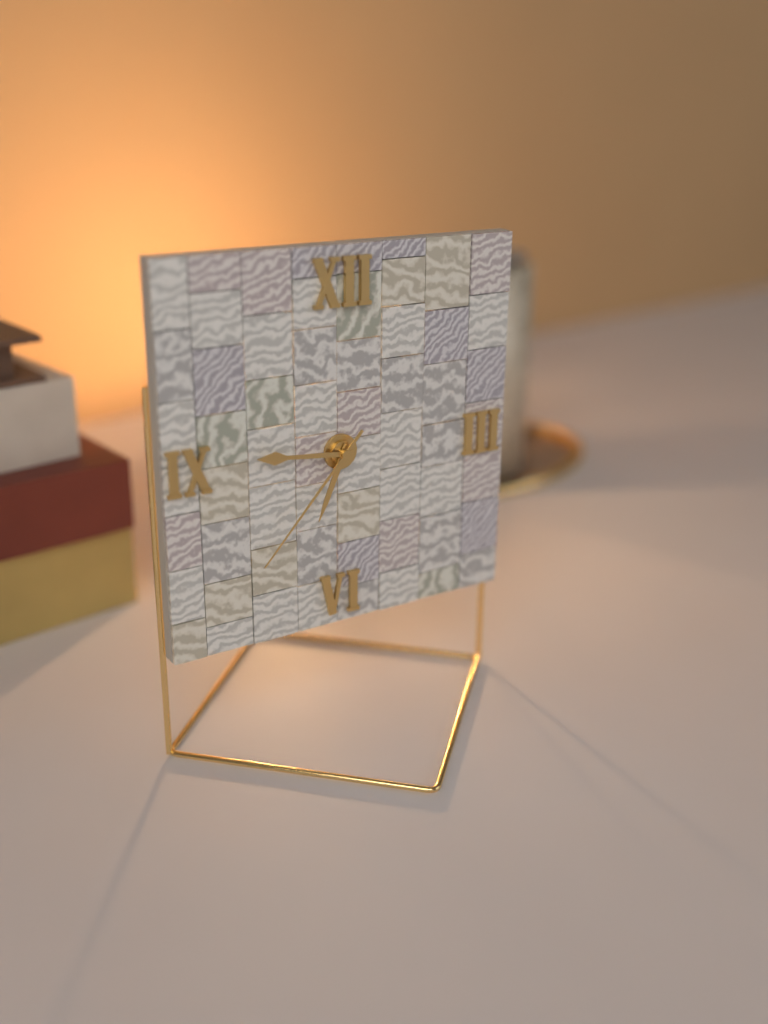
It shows 6:46:37
